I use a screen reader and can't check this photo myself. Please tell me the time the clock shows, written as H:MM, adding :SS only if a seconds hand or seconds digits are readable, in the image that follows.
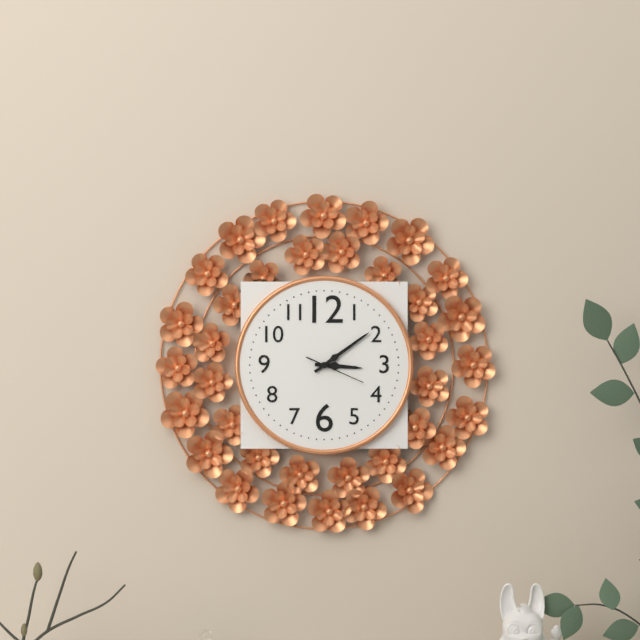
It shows 3:09:19
